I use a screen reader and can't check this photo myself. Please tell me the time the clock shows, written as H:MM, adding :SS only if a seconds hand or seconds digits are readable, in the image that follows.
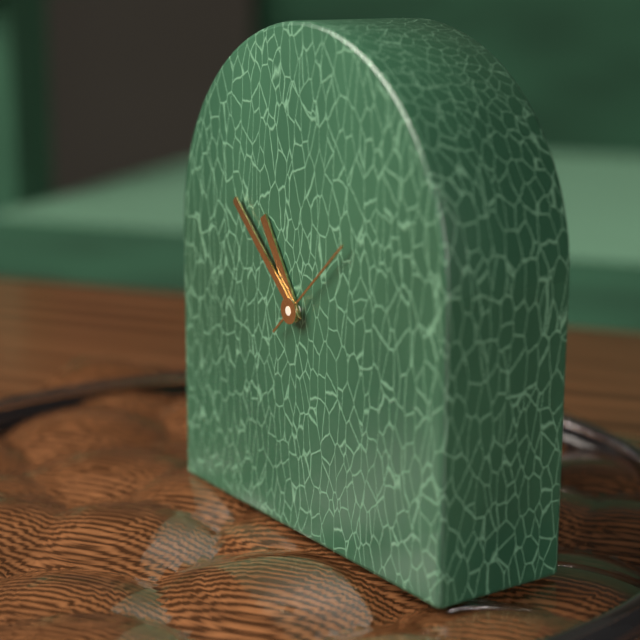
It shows 10:52:08
